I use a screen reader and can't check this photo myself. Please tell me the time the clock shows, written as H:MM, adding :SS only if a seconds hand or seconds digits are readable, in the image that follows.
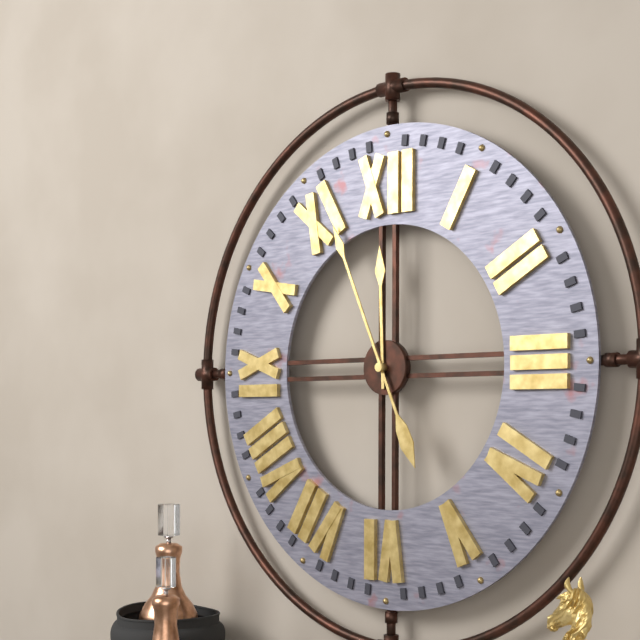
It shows 11:56
